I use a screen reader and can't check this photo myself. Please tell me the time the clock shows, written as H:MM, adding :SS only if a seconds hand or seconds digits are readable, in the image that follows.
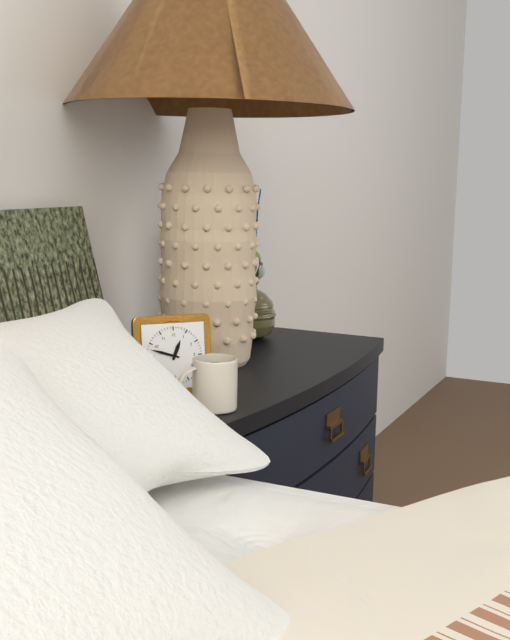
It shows 12:48
